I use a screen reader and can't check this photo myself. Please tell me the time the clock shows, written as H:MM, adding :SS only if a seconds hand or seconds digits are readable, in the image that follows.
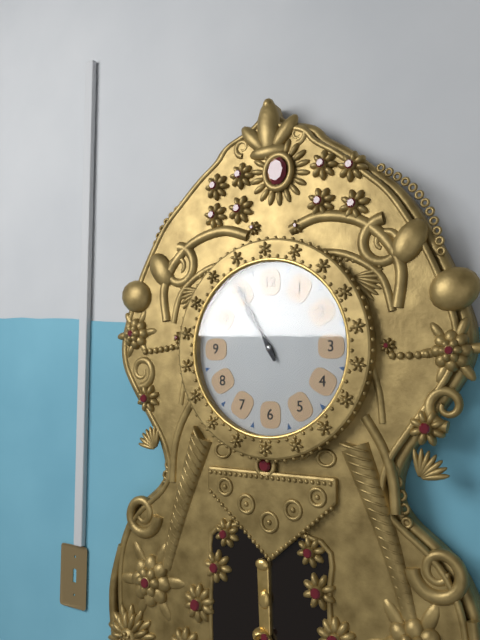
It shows 10:55
